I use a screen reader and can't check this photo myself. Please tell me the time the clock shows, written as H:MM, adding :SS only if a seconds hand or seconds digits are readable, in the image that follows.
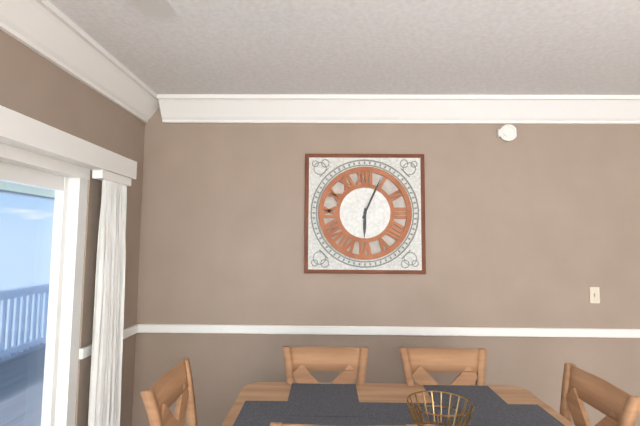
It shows 6:04
